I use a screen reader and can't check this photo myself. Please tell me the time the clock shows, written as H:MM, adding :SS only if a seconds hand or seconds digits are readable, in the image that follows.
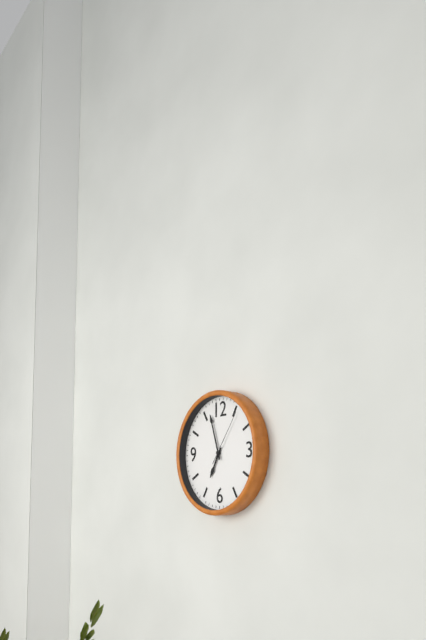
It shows 6:57:06
